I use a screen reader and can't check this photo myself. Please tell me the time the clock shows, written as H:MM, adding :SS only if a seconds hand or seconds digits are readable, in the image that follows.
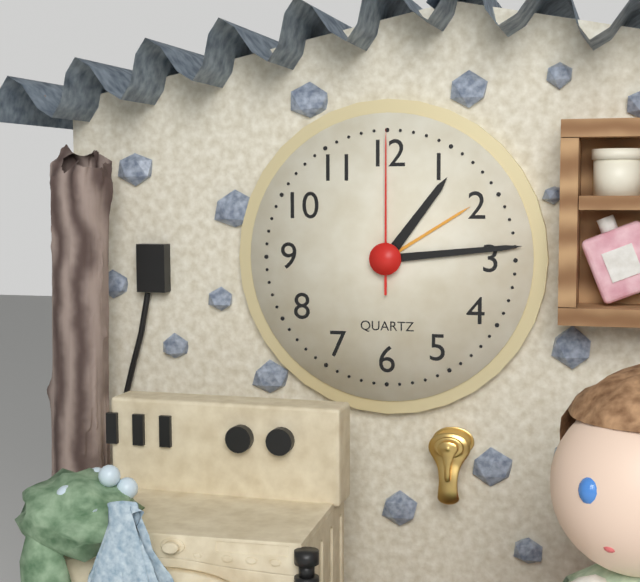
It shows 1:14:00
